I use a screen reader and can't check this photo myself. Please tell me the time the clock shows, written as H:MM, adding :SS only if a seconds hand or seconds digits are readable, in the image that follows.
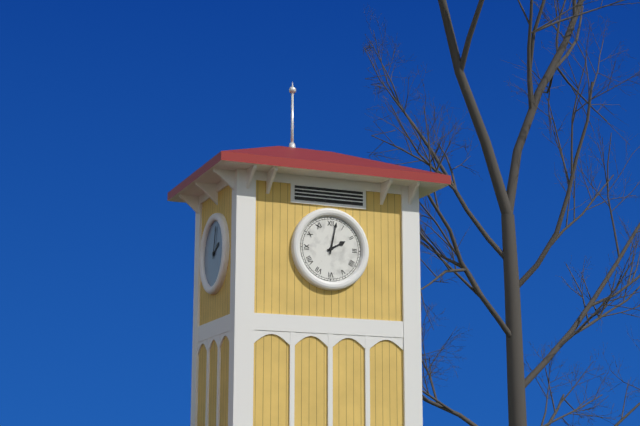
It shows 2:02
